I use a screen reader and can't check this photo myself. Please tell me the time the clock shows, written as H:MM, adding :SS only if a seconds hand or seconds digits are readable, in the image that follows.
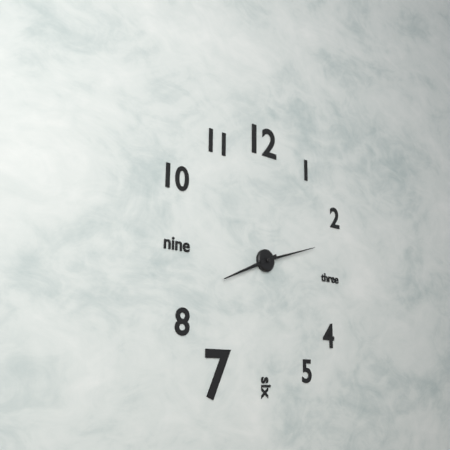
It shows 8:12
